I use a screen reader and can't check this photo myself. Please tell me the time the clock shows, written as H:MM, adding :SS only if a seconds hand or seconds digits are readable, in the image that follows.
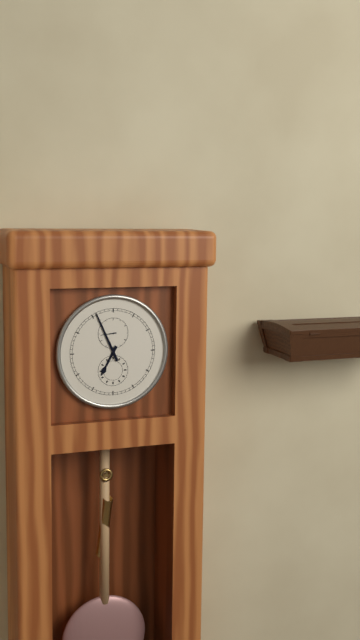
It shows 6:56
